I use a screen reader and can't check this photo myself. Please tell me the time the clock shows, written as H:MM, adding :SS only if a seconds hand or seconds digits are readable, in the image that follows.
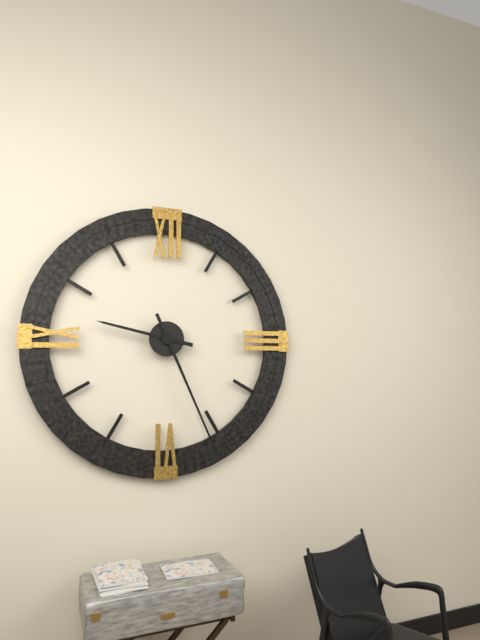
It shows 9:26
